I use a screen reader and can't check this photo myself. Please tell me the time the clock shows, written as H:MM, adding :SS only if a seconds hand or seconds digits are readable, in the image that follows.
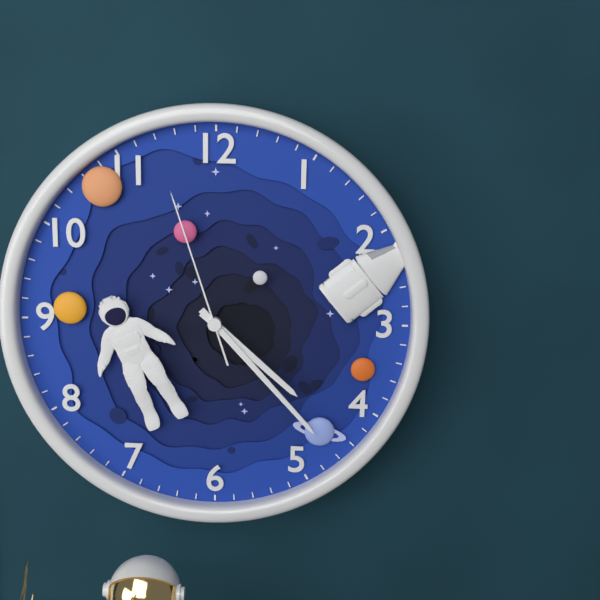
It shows 4:23:57
